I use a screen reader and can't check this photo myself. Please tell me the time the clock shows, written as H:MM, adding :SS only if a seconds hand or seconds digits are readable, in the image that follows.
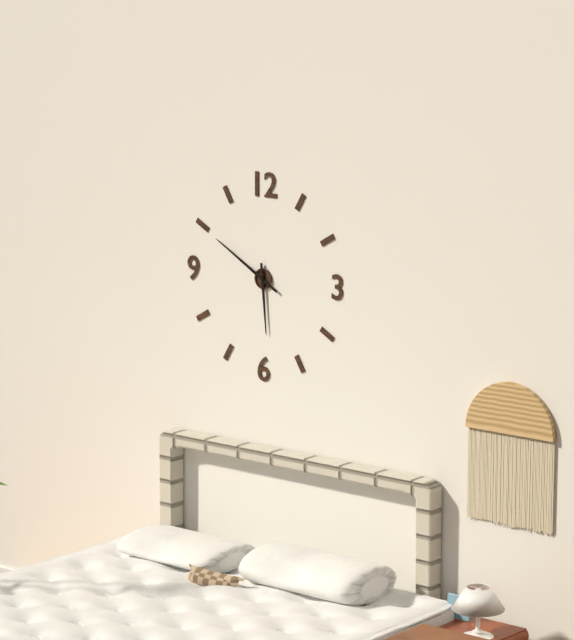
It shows 5:50
